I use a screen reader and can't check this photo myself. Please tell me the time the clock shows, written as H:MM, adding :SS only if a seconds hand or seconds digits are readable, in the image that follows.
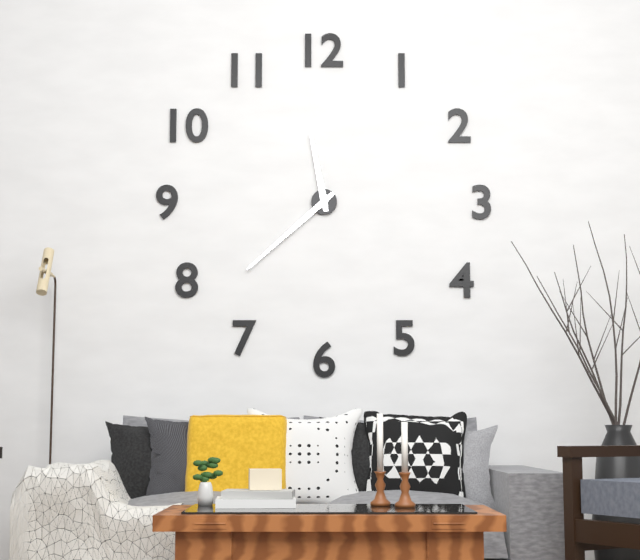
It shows 11:38
